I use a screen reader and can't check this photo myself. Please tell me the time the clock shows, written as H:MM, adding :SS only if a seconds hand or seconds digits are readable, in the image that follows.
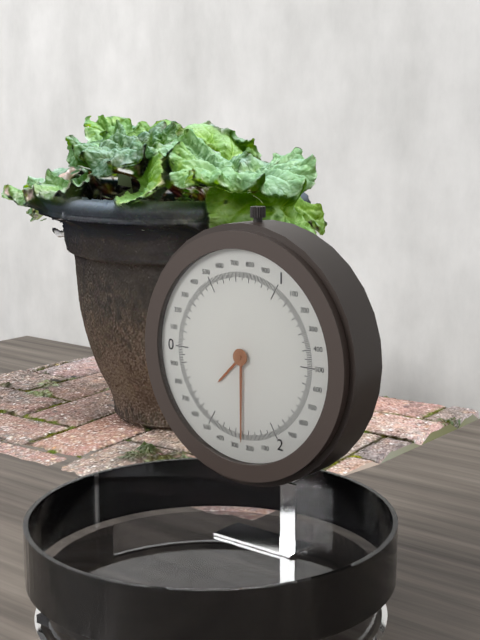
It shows 7:30
